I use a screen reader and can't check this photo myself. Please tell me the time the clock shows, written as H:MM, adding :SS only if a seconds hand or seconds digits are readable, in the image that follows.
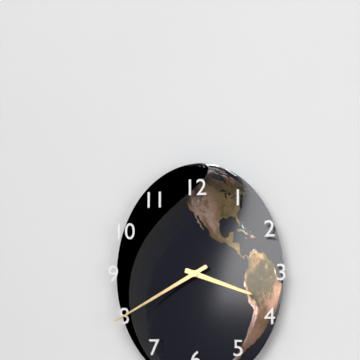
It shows 3:40
